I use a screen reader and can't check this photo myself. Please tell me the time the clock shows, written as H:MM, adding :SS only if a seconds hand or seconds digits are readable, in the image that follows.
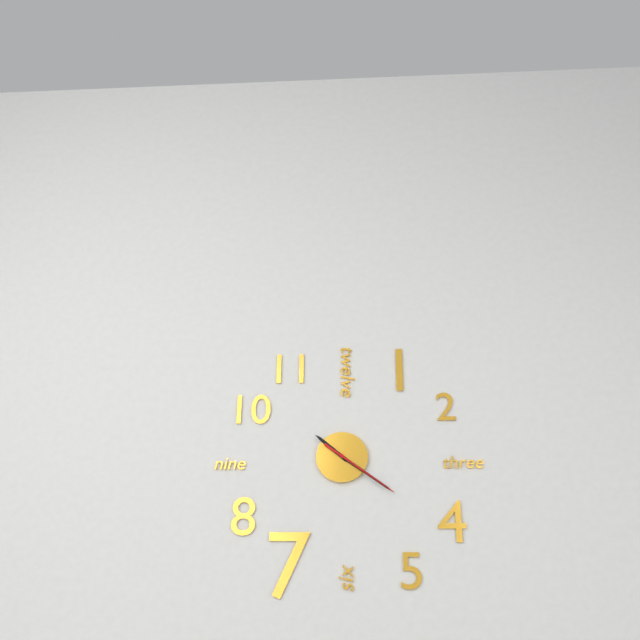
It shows 10:21:21
